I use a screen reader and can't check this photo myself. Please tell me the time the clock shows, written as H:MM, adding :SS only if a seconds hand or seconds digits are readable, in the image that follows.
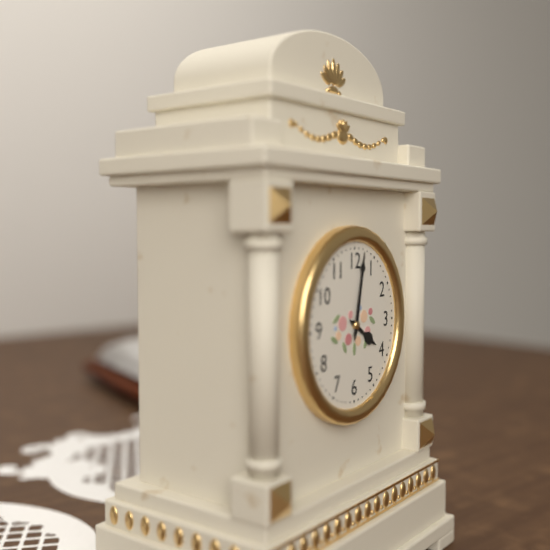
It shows 4:02
